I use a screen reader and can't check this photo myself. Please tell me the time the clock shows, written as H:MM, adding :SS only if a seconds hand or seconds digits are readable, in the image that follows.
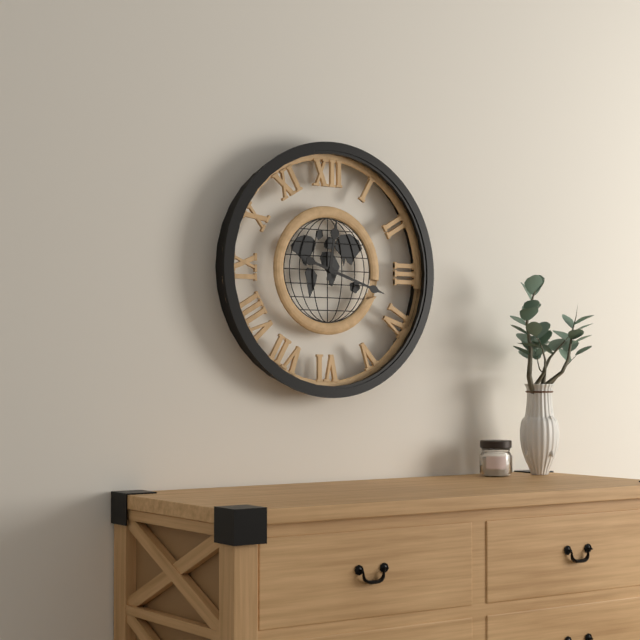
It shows 12:18
